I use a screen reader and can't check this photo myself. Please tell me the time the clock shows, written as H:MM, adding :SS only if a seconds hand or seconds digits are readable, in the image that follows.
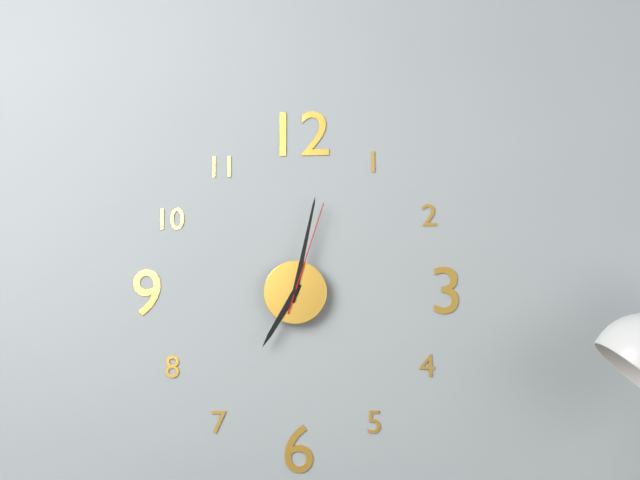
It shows 7:02:03
